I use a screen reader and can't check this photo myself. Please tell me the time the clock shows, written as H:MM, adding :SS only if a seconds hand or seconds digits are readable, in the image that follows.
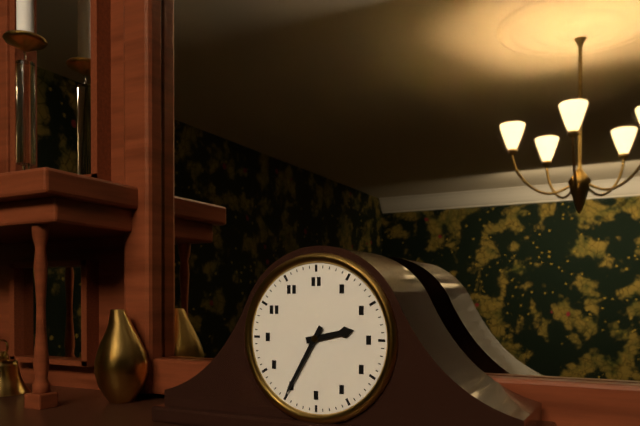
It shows 2:35
